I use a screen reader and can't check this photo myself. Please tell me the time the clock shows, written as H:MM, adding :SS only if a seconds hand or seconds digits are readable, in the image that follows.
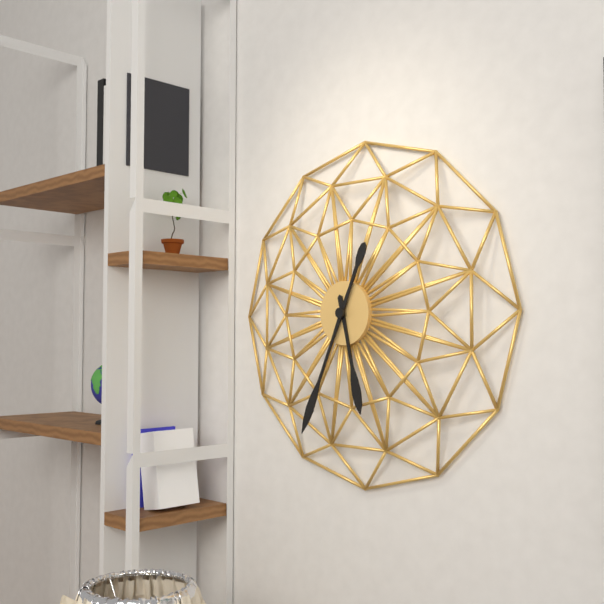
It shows 5:34
